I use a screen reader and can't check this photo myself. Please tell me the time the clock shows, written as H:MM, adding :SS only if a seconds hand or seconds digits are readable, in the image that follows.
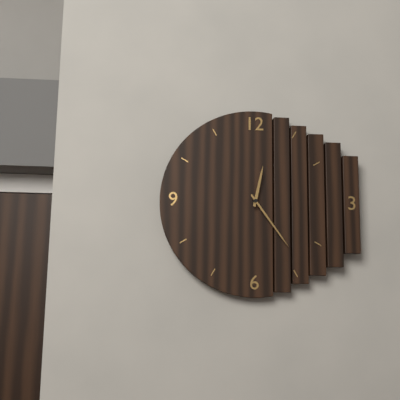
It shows 12:24
